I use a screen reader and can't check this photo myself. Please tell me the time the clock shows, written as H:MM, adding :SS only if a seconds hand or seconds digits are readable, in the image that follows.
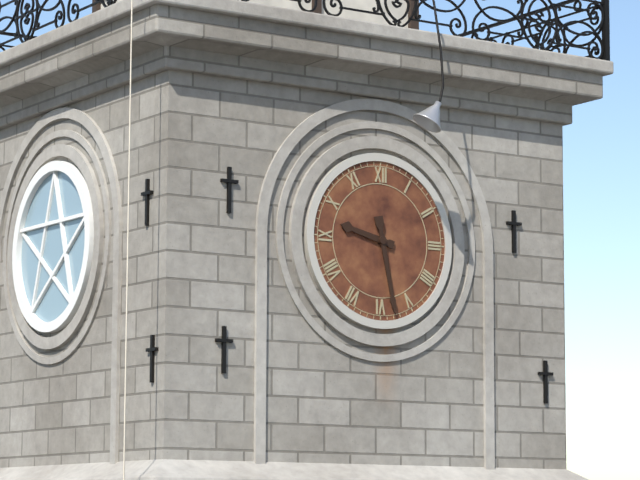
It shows 9:28
